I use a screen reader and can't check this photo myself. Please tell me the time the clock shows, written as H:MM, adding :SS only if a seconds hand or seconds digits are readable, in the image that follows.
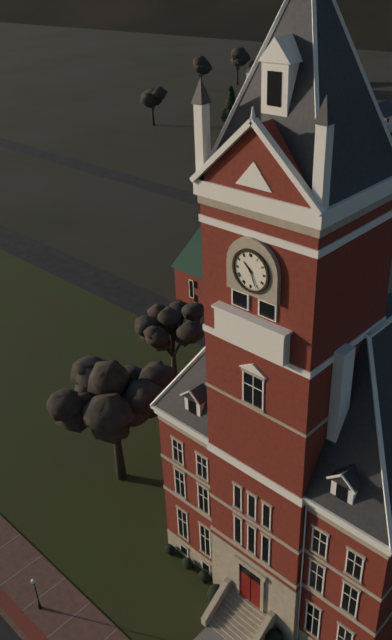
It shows 10:26
